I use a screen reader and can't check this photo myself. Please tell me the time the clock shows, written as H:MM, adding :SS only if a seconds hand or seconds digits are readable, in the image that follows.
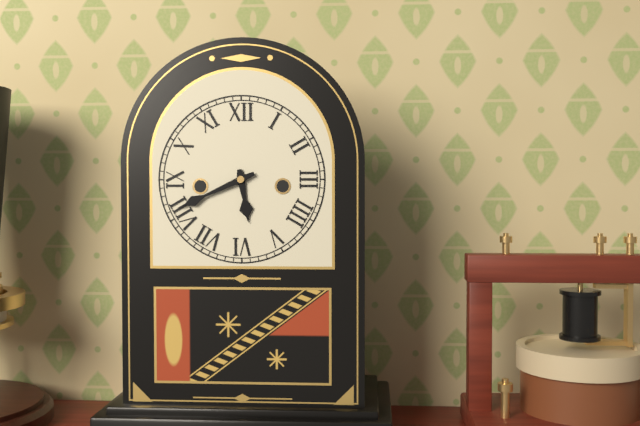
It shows 5:41
